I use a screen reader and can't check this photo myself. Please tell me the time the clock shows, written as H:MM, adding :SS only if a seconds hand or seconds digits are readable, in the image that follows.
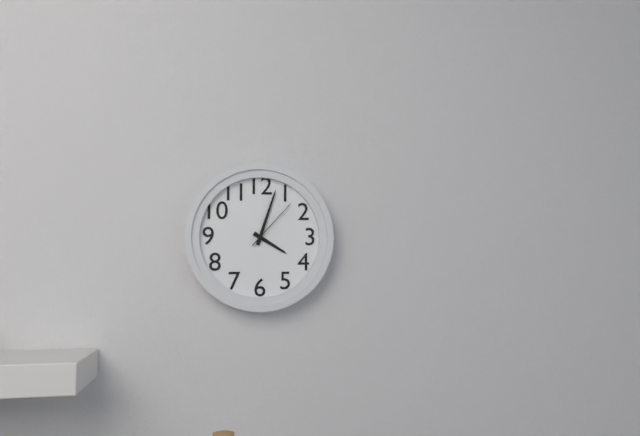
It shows 4:03:07
